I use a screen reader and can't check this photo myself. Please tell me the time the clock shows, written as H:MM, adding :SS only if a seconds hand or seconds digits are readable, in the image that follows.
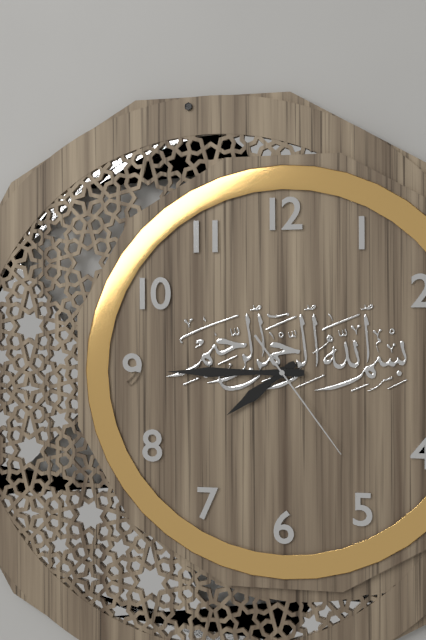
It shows 7:45:24
